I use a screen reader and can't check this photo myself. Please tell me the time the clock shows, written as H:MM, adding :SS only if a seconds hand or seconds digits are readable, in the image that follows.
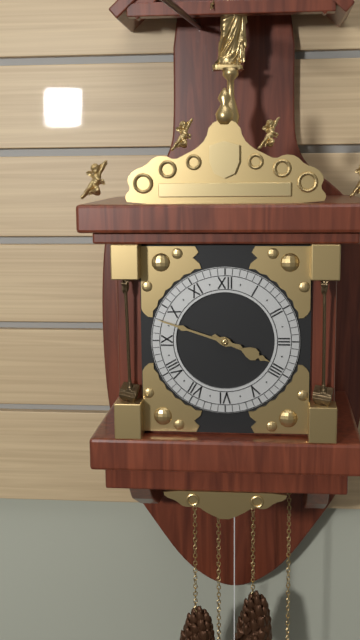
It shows 3:48
